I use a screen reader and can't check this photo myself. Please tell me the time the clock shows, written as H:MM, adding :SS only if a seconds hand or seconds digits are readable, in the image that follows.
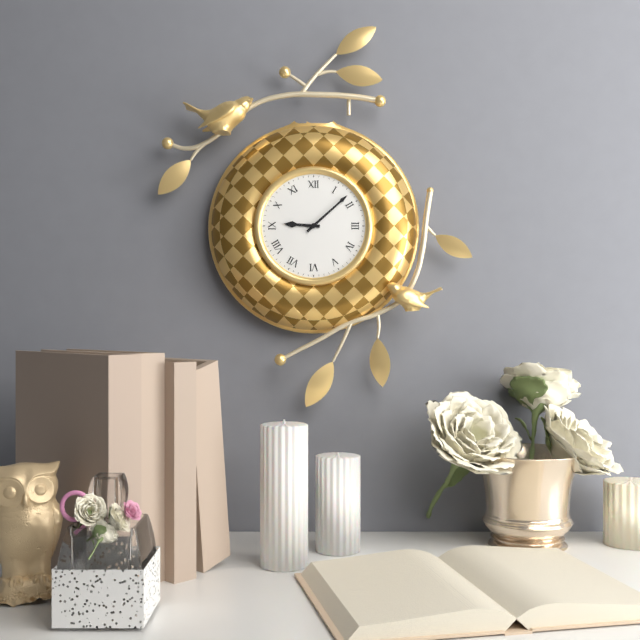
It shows 9:08
